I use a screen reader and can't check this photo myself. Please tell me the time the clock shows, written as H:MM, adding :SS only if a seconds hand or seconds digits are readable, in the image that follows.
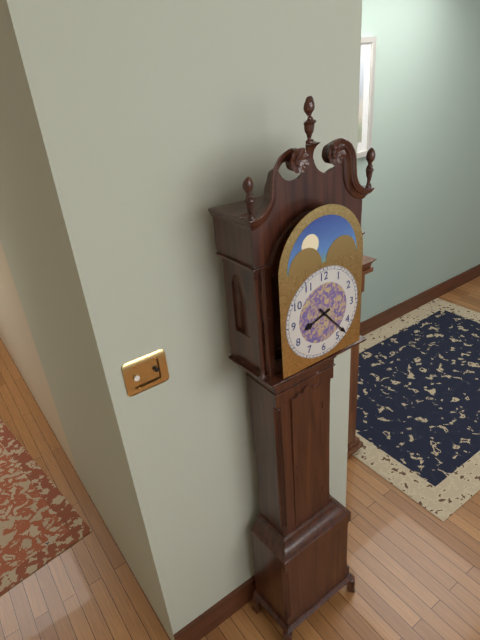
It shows 8:23
